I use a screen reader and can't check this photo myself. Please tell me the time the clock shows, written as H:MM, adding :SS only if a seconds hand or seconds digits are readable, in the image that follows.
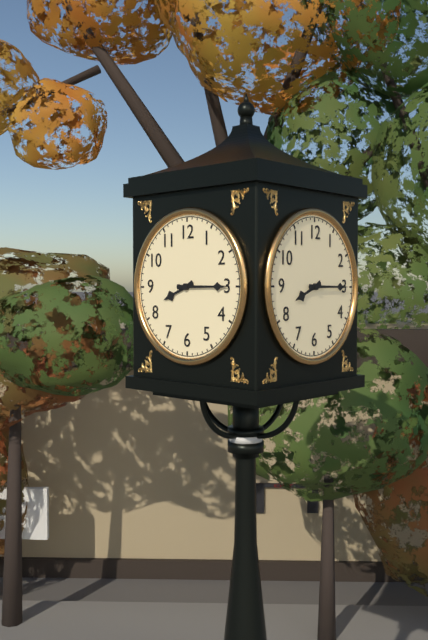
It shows 8:15
